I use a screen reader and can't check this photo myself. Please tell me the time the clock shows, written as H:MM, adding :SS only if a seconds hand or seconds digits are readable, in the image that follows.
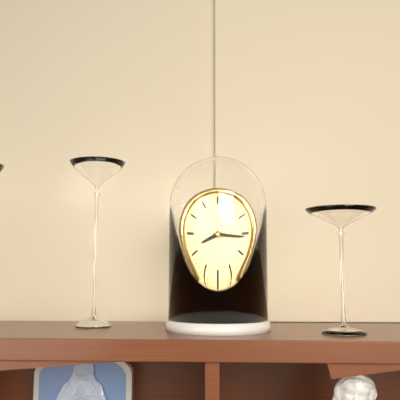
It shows 8:16
